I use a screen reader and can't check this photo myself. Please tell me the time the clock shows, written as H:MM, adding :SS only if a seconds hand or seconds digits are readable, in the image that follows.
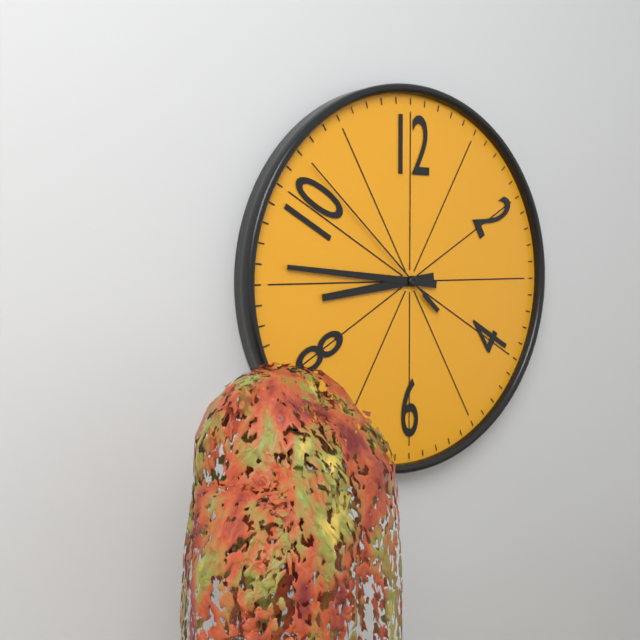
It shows 8:46:52
